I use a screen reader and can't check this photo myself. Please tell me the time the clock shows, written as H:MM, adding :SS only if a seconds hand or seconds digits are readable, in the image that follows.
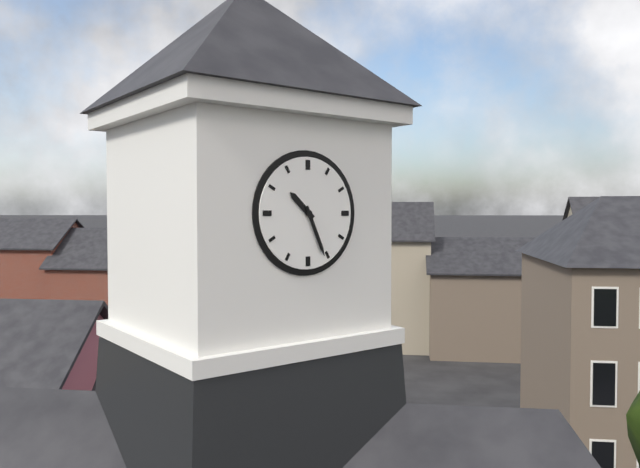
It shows 10:26
